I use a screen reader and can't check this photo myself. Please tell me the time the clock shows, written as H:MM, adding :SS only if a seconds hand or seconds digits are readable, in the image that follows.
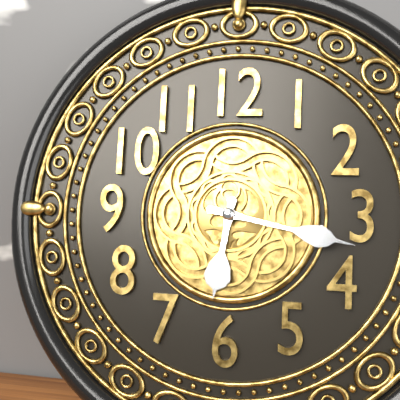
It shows 6:17
